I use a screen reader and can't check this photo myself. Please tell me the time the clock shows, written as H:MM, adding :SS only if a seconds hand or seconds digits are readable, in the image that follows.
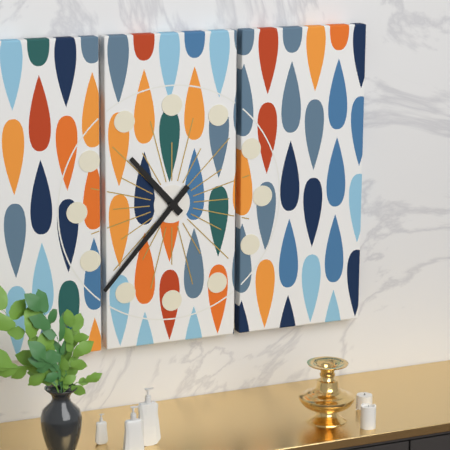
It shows 10:37
